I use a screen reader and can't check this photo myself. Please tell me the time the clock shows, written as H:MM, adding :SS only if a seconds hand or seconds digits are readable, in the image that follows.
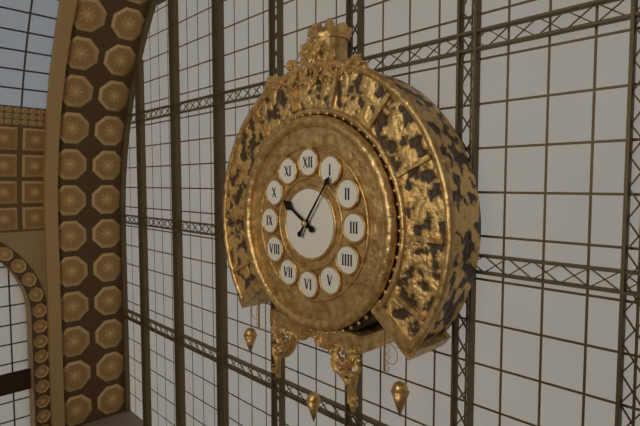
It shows 10:06
